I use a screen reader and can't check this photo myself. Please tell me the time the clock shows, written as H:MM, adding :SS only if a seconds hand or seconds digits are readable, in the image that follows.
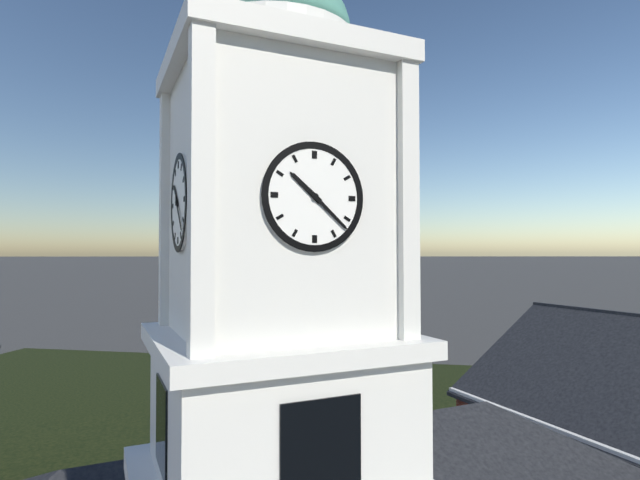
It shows 10:22
